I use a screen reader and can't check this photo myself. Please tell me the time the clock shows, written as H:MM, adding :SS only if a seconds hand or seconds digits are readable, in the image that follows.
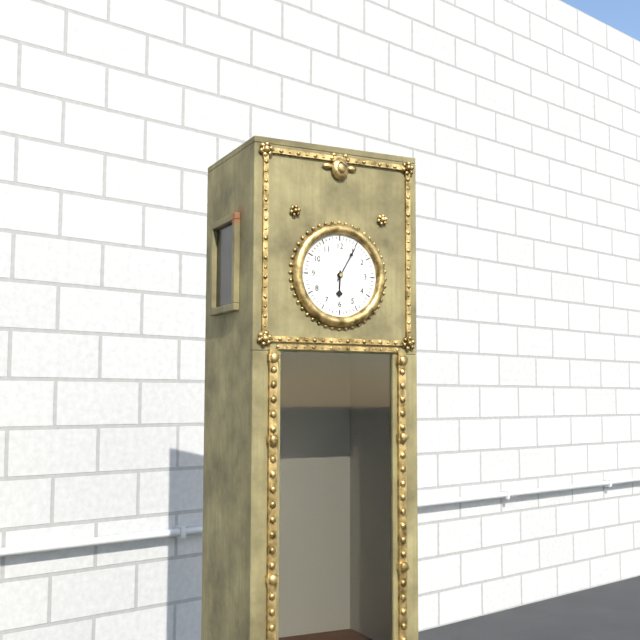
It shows 6:05
